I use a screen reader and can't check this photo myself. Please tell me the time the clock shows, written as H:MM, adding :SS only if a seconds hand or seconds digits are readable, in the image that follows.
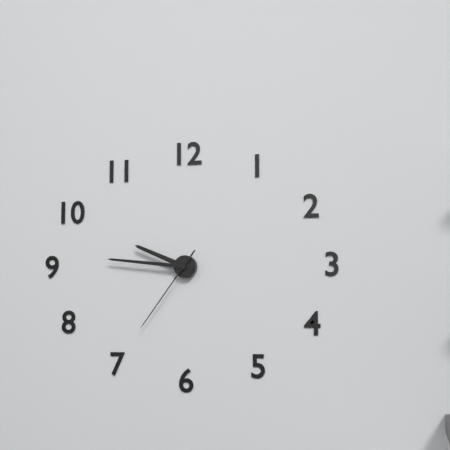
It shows 9:46:36
